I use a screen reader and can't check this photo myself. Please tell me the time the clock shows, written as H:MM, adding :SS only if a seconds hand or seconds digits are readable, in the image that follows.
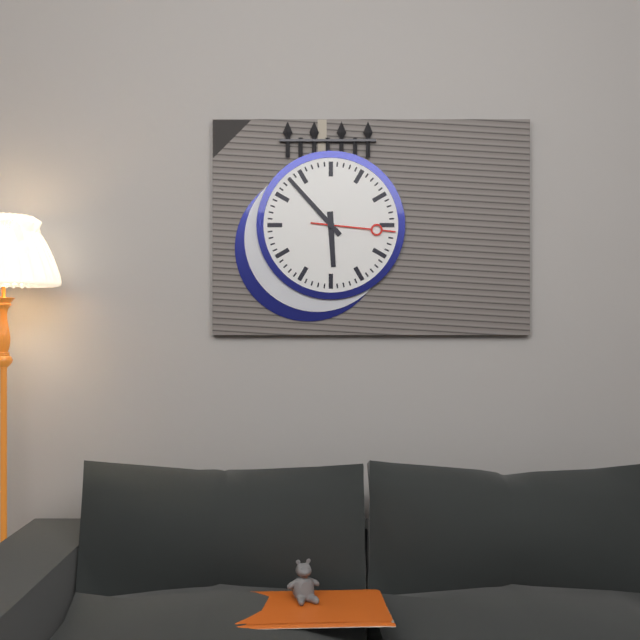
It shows 5:53:16
